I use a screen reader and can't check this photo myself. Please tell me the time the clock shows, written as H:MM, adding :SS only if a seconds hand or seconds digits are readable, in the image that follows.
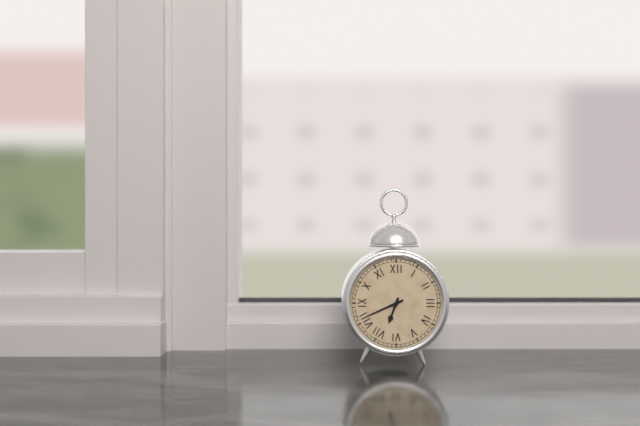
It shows 6:41
